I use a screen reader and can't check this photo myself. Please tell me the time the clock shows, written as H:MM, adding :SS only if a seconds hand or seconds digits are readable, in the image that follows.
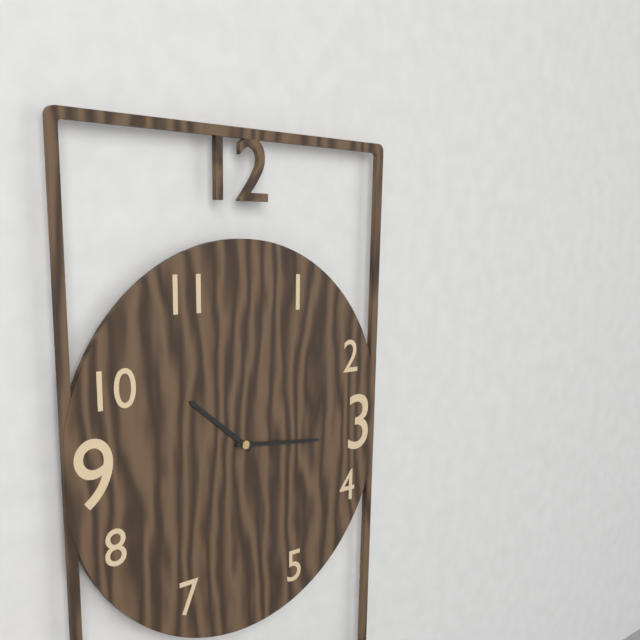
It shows 10:16
